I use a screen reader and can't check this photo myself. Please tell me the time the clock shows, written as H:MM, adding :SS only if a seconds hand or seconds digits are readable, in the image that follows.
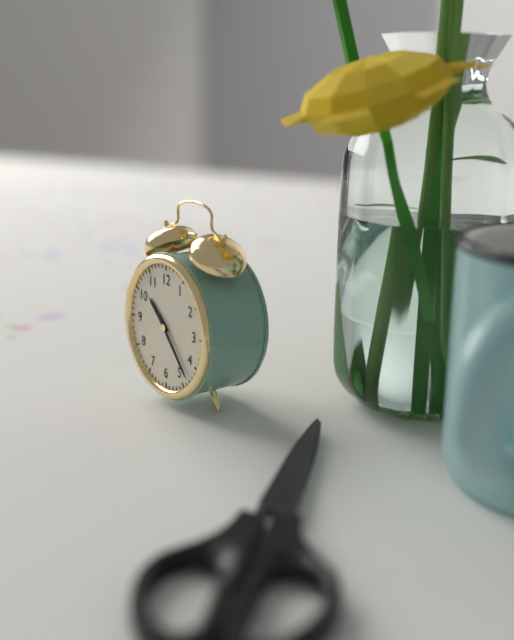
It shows 10:23
